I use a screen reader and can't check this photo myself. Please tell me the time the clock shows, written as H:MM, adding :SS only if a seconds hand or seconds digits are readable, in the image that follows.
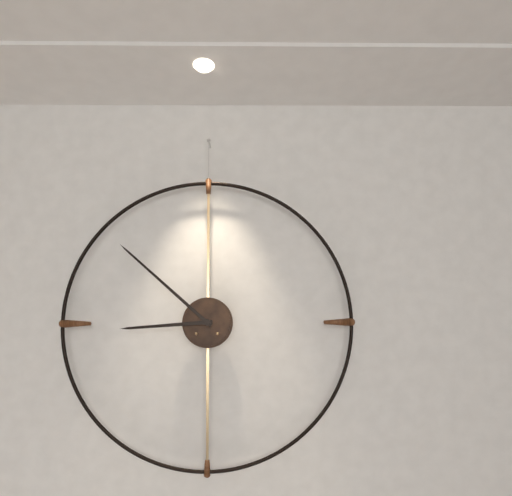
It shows 8:52
